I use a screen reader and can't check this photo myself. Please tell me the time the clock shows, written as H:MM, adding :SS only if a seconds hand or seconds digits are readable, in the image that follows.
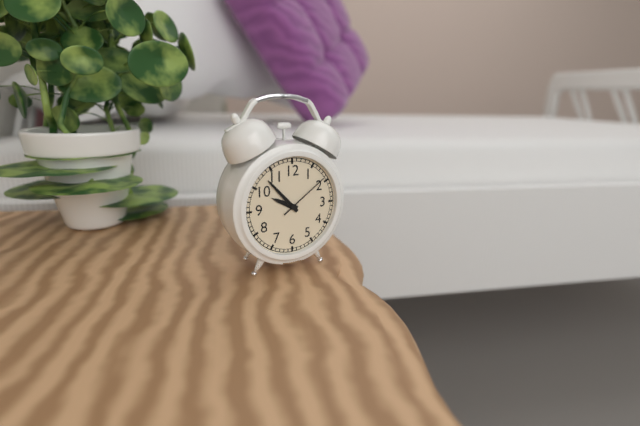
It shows 9:53:09
